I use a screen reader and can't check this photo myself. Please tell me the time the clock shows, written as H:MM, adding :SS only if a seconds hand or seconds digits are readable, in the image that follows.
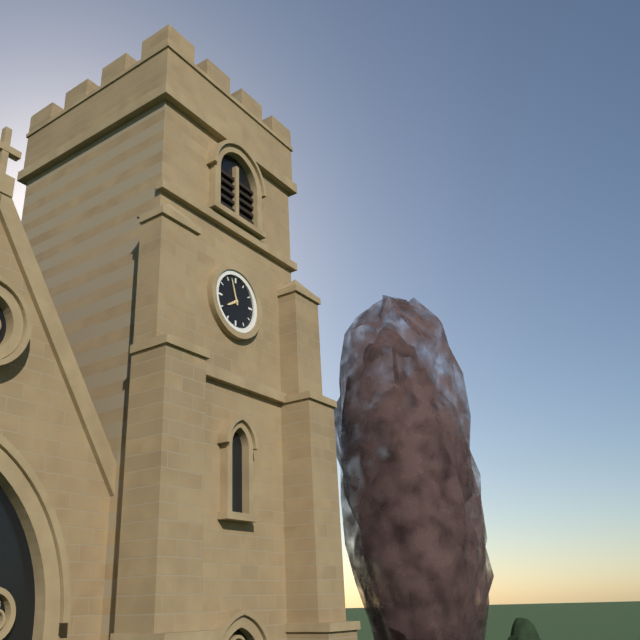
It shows 7:57
